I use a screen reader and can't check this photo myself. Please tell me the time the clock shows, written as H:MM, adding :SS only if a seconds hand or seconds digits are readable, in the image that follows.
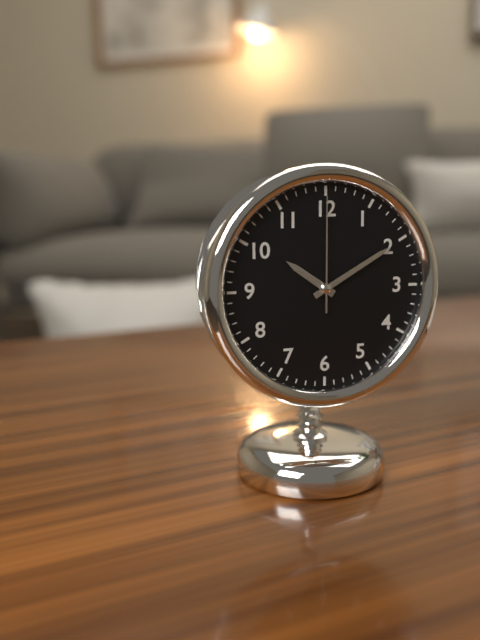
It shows 10:10:00
